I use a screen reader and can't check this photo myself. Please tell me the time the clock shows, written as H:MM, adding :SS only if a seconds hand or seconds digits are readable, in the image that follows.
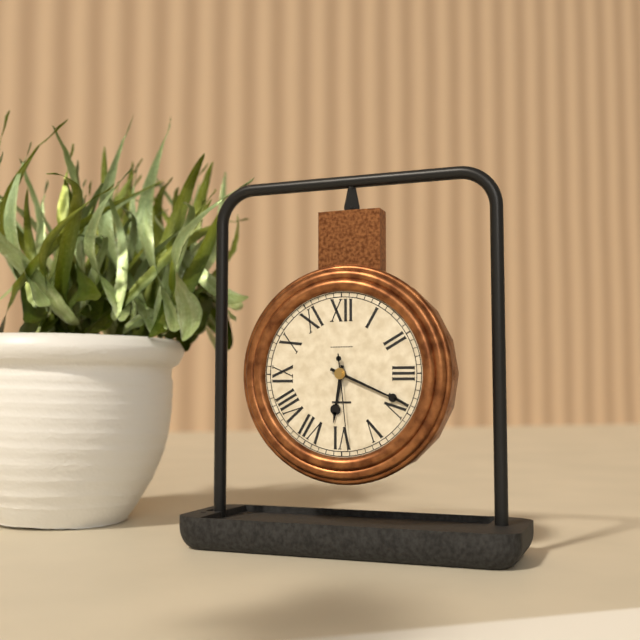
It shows 6:19:29
